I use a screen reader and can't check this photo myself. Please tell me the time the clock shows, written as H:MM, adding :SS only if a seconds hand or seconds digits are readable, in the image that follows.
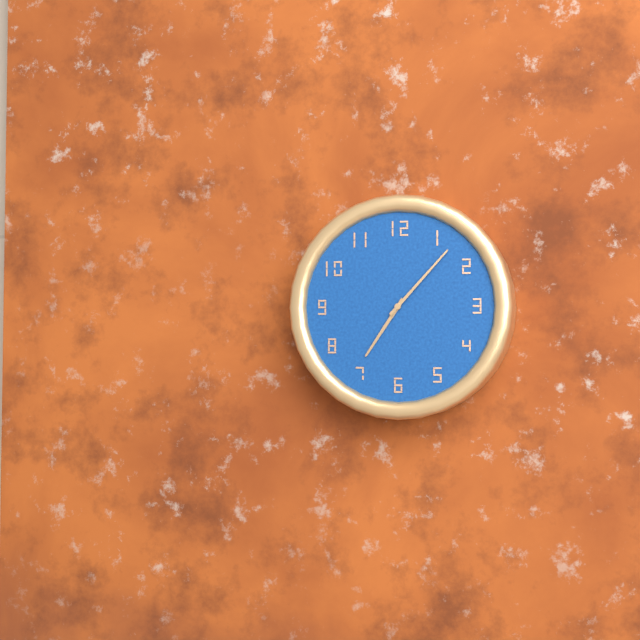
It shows 7:07
